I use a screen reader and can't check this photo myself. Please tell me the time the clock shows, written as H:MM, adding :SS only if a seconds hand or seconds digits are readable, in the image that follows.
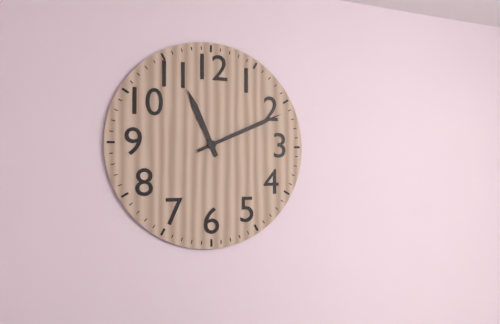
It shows 11:11
